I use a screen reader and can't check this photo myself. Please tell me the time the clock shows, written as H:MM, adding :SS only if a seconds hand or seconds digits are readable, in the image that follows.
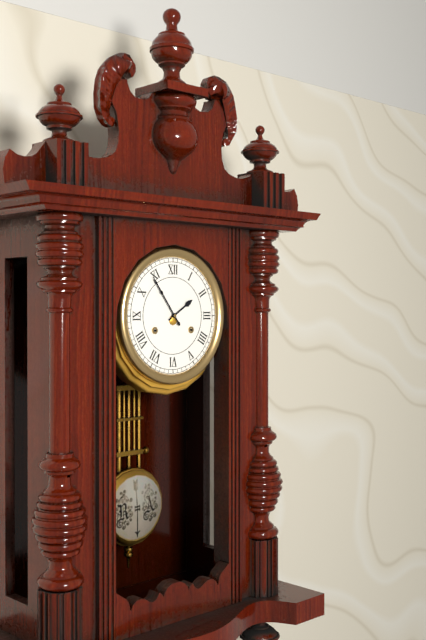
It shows 1:54
